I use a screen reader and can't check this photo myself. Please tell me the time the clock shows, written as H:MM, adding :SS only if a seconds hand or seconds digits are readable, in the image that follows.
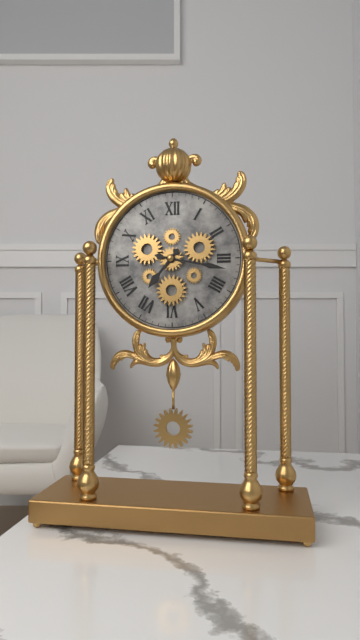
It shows 7:17
